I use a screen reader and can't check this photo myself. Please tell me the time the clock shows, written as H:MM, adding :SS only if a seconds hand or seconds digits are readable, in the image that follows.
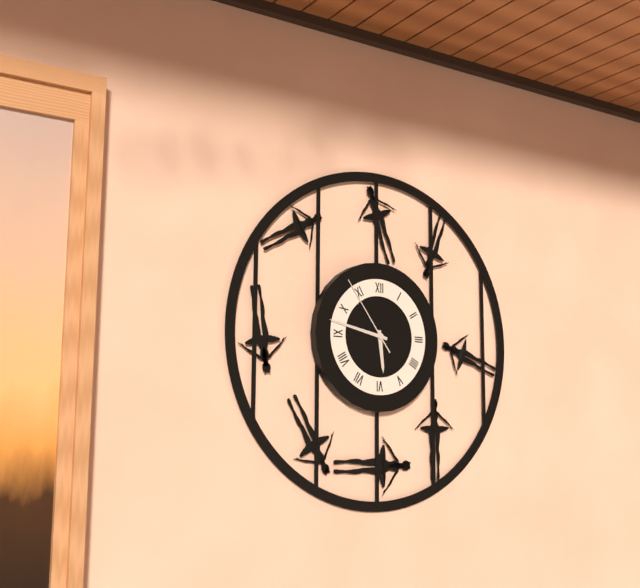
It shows 5:47:54
